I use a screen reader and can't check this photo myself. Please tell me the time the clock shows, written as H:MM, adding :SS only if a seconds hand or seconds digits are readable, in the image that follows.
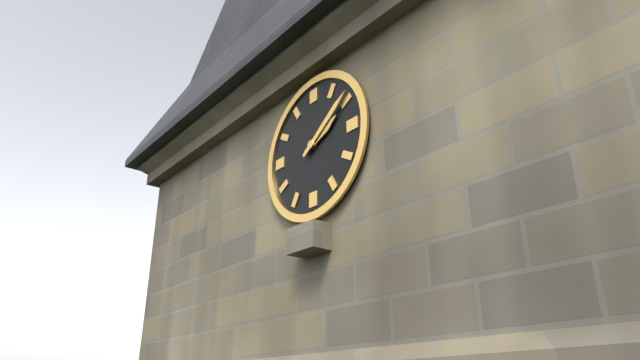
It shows 2:09
